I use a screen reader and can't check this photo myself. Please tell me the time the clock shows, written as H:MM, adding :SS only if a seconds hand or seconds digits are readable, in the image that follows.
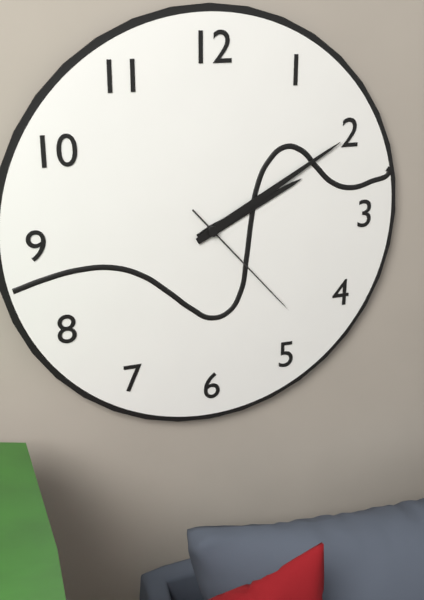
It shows 2:10:23
